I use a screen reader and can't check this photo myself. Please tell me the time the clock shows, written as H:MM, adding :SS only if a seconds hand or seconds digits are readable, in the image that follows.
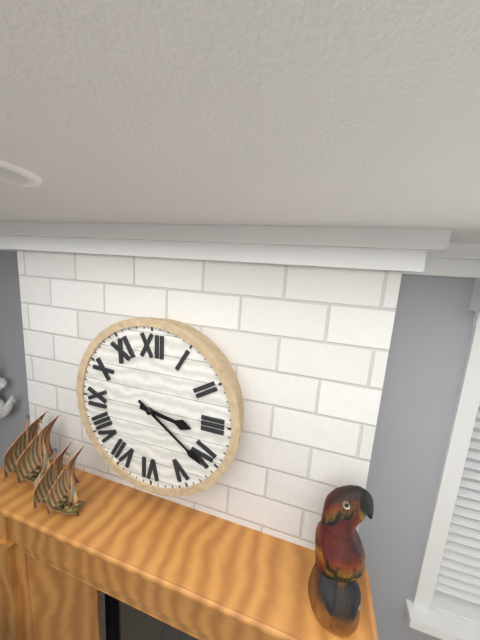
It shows 3:21
